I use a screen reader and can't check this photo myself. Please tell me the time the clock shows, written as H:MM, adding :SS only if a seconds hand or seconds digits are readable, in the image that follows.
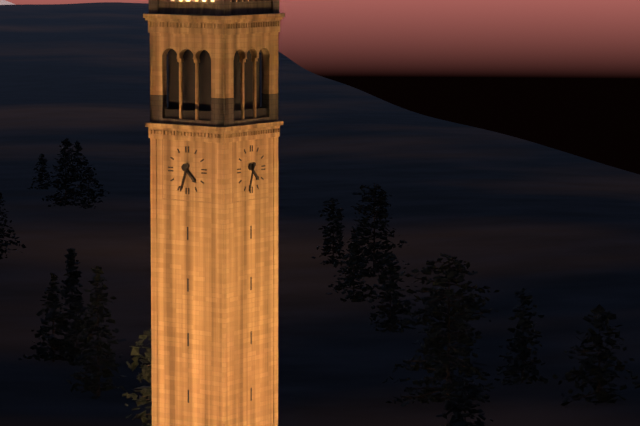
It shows 4:33
